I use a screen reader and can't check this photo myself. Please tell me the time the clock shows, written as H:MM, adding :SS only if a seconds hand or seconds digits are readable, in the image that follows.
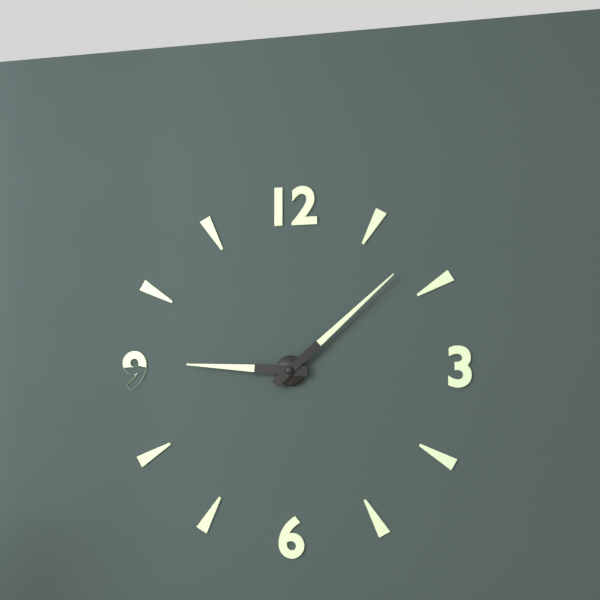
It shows 9:08
